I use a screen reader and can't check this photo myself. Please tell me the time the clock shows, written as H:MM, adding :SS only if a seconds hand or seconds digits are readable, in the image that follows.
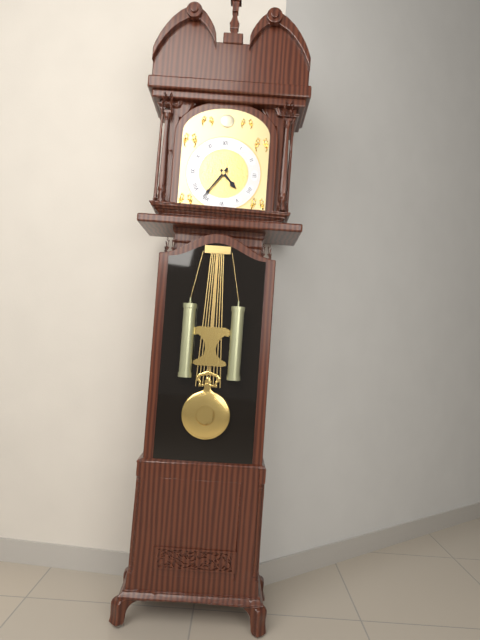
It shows 4:36
